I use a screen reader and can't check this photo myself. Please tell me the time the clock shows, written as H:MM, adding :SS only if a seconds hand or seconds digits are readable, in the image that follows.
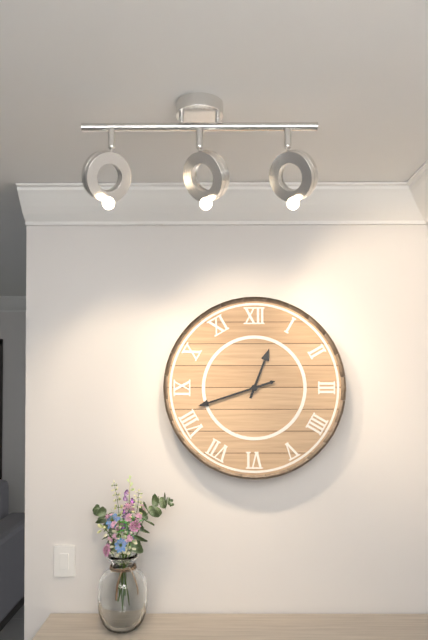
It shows 12:42
